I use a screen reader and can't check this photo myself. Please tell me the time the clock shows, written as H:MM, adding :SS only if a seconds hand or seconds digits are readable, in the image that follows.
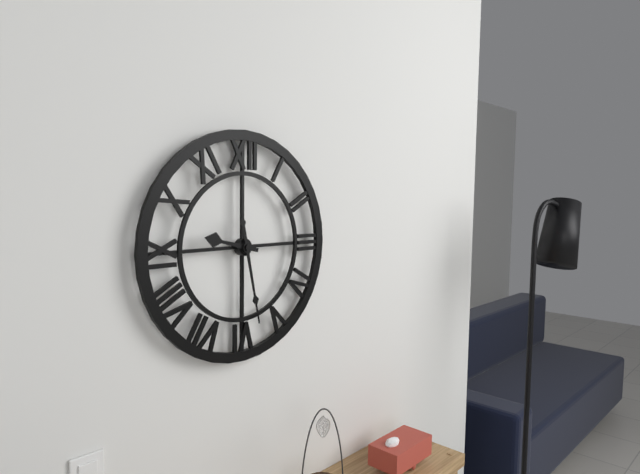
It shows 9:28
